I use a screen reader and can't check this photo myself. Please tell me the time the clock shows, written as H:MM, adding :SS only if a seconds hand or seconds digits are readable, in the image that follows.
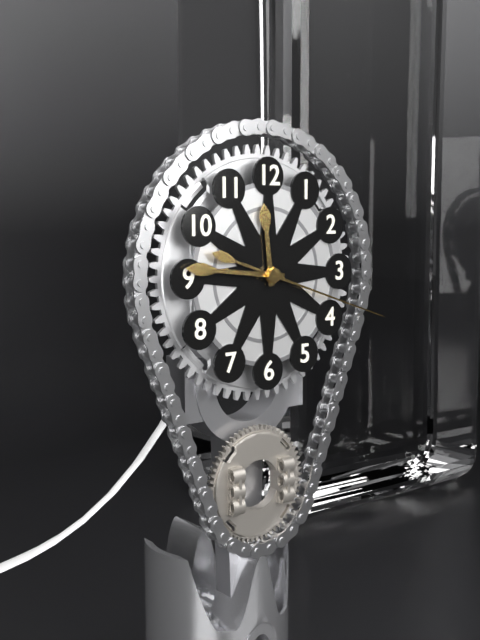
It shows 11:46:18
